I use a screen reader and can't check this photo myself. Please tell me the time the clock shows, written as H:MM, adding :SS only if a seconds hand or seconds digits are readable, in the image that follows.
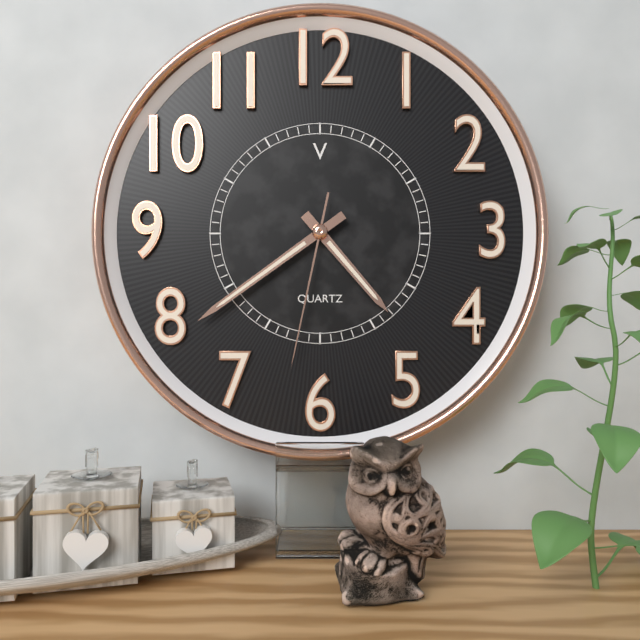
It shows 4:39:32
